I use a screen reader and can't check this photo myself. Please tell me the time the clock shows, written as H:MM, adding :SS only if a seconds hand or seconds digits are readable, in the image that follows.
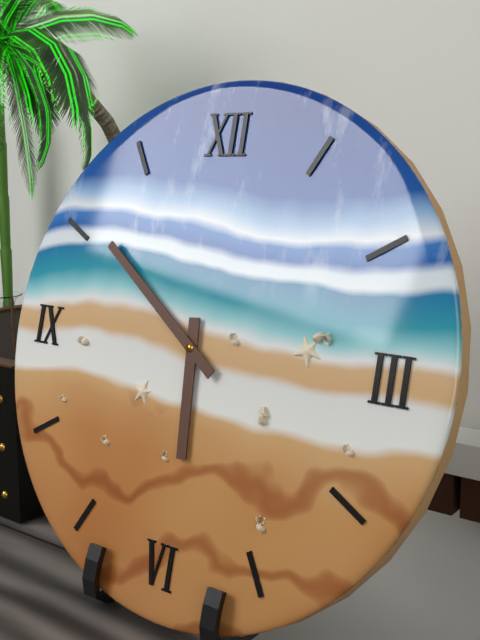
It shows 5:51
